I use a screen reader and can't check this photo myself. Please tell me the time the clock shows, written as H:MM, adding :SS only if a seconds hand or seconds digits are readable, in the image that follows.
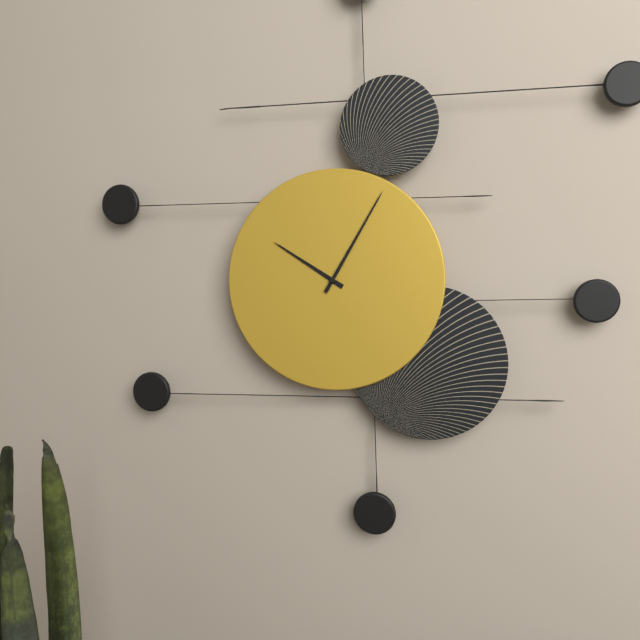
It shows 10:05
